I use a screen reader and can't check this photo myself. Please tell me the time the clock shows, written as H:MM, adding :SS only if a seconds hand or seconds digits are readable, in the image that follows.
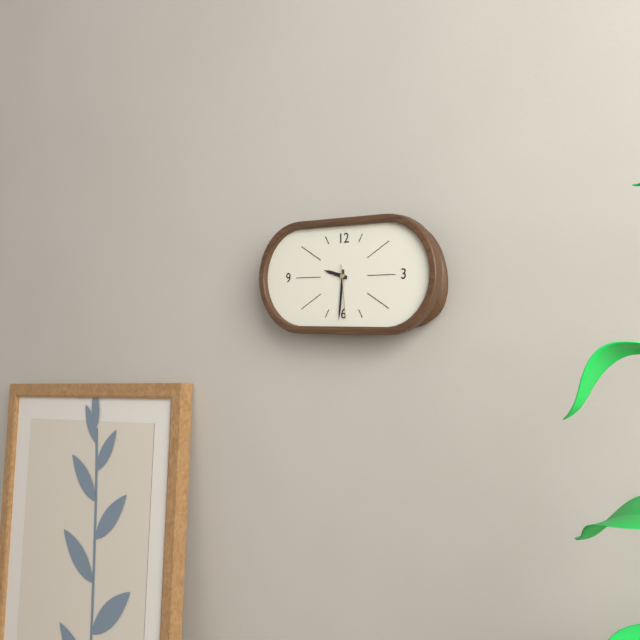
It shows 9:31:29
